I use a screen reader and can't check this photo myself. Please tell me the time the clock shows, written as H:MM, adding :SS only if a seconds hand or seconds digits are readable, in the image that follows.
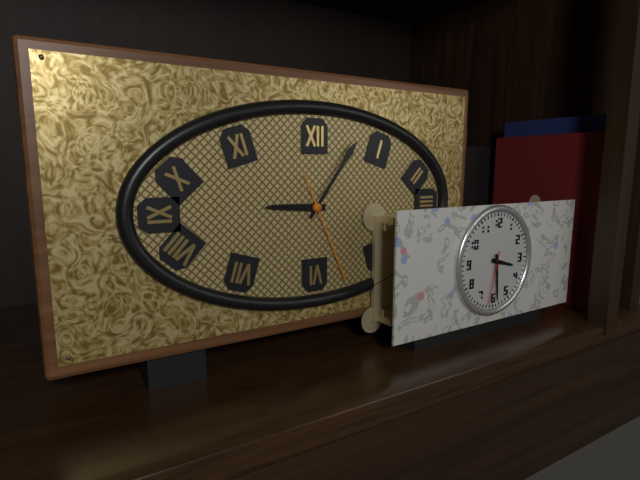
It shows 9:06:26
